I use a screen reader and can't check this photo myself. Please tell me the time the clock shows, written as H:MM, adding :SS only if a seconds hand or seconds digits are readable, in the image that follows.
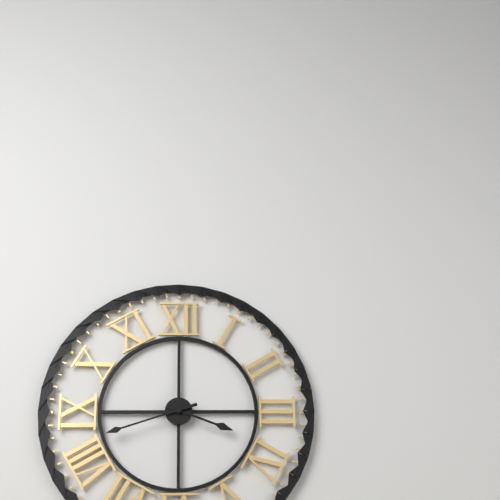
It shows 3:42
